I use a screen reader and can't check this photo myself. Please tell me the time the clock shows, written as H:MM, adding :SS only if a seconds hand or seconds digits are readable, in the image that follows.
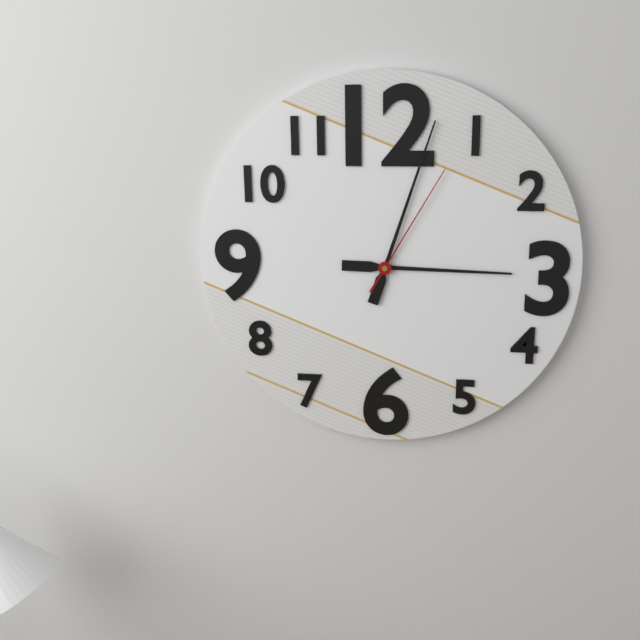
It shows 3:03:05
